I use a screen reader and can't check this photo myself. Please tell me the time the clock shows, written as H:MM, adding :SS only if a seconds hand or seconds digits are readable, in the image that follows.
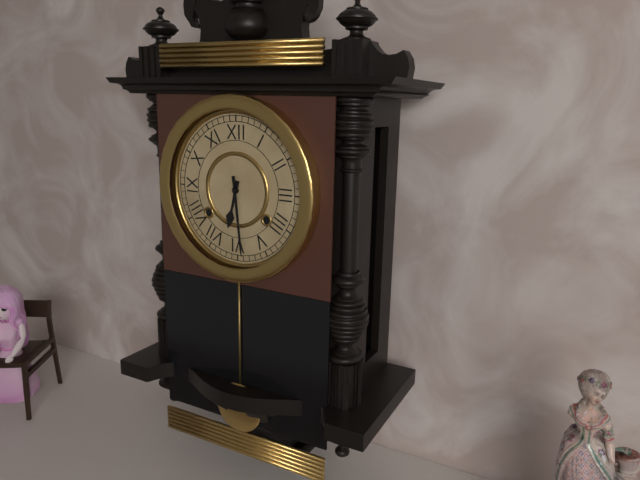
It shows 6:29
